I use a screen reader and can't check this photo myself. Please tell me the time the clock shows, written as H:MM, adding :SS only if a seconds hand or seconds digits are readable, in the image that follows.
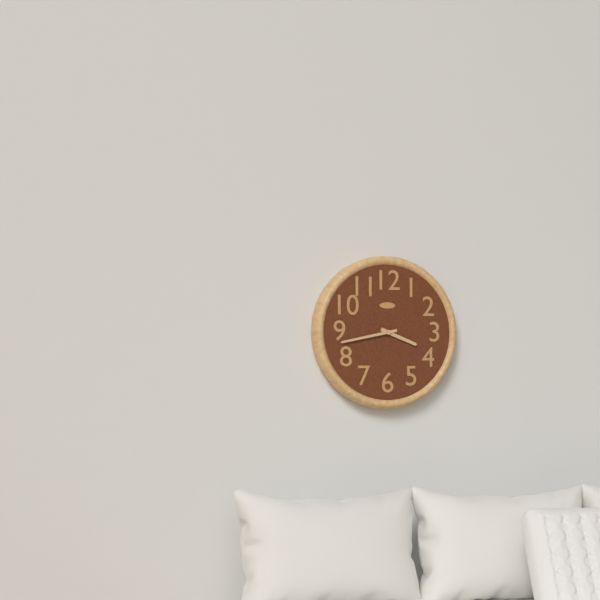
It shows 3:43
